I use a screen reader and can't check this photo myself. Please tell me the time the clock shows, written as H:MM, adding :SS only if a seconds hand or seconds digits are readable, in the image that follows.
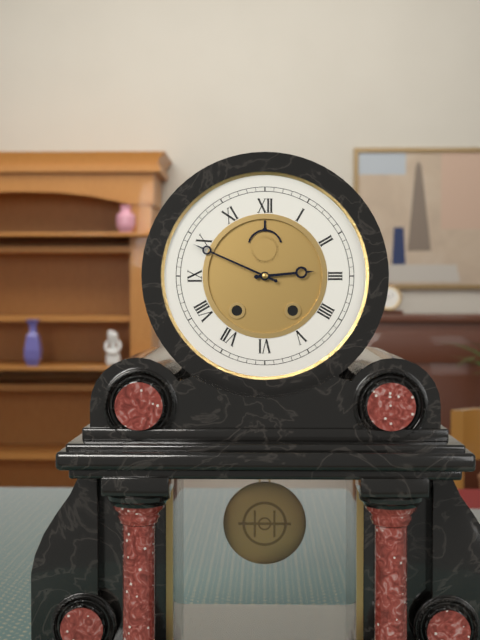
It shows 2:49
